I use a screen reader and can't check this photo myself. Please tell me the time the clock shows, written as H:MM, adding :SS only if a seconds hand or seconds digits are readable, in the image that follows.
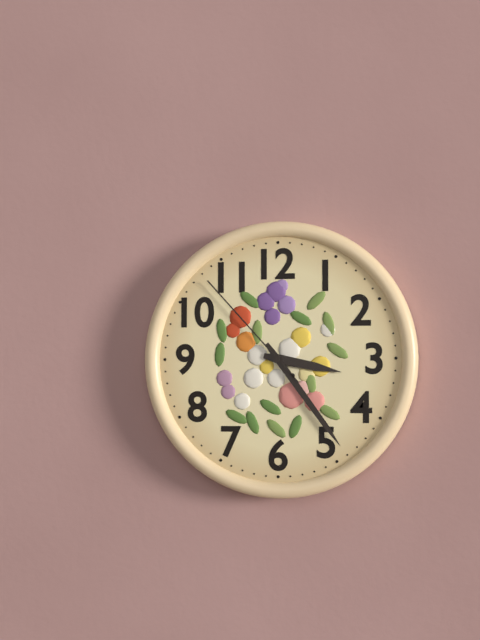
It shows 3:24:53
